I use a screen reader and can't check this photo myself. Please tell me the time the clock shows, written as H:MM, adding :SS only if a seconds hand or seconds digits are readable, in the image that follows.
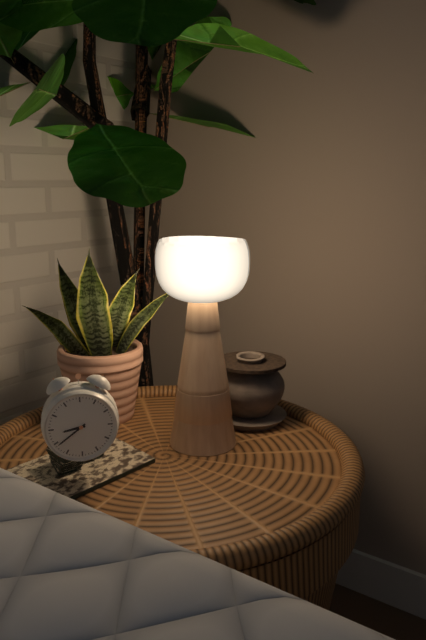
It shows 8:39
